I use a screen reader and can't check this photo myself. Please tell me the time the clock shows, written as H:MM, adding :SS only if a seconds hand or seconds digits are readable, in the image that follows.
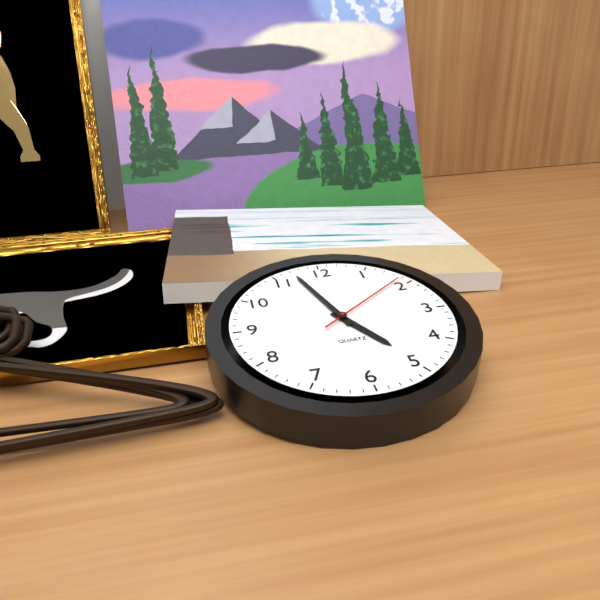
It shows 4:57:09
